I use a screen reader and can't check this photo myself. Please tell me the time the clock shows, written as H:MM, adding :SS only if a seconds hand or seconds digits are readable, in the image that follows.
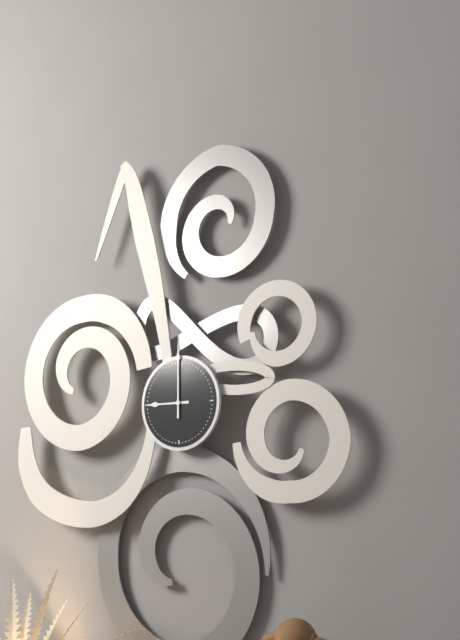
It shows 9:00
